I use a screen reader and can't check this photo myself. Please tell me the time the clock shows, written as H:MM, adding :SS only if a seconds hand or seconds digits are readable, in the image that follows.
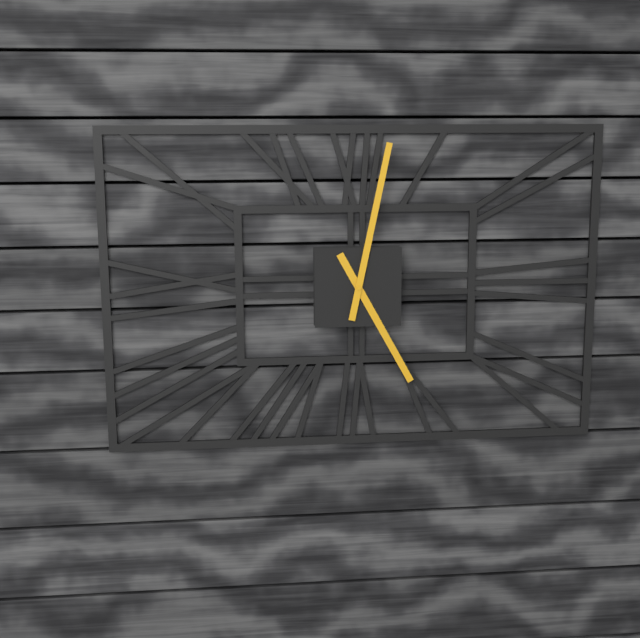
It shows 5:02
